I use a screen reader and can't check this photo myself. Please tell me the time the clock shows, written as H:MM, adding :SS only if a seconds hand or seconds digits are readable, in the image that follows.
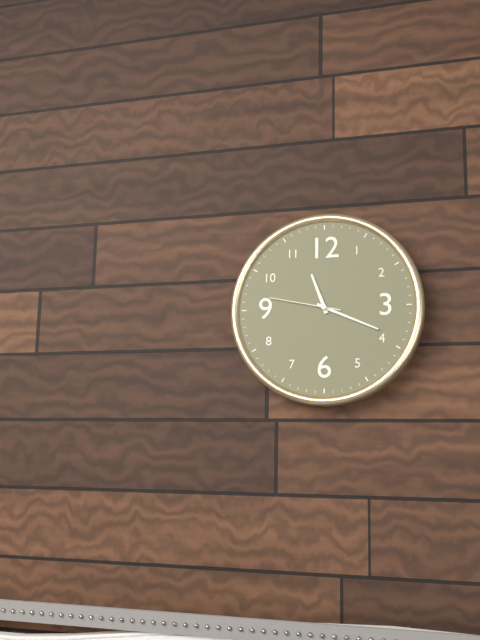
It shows 11:19:47
